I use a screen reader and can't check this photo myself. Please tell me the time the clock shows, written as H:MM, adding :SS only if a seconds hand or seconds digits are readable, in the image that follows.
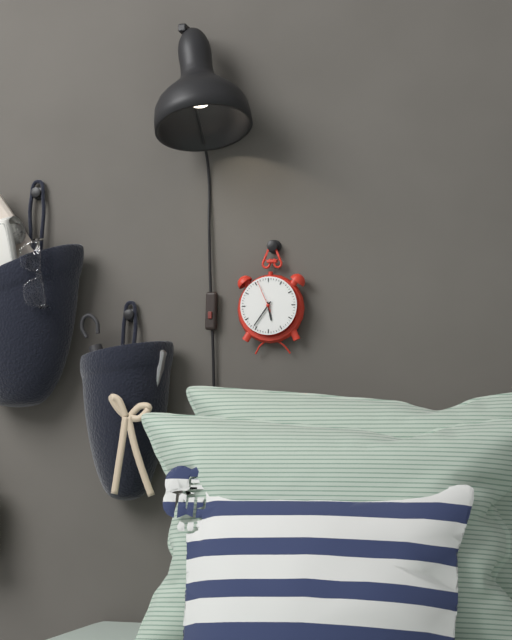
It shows 5:36
